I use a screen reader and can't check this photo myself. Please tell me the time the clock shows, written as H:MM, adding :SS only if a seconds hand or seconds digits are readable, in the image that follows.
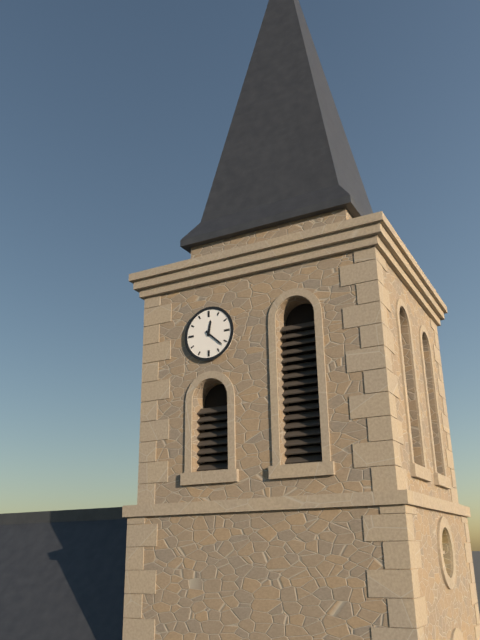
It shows 12:22
